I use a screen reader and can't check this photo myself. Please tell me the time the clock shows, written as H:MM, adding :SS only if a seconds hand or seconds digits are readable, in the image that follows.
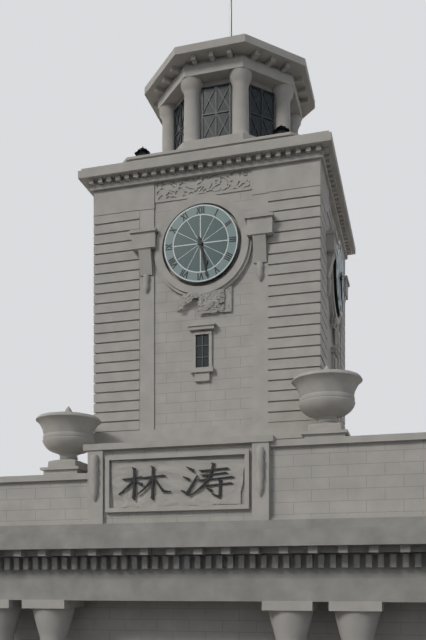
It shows 5:28
